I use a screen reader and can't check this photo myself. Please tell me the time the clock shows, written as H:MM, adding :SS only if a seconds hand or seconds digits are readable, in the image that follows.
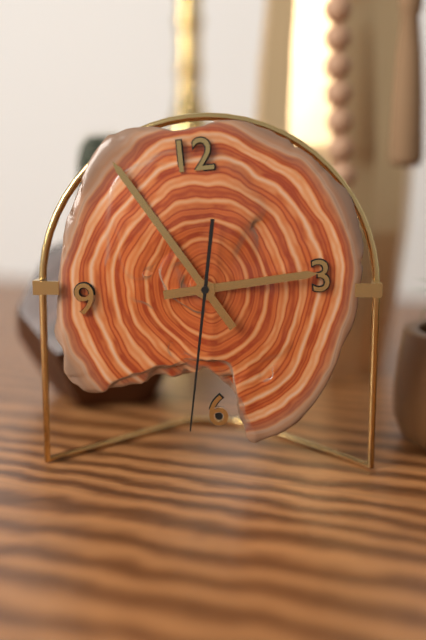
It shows 2:55:32
